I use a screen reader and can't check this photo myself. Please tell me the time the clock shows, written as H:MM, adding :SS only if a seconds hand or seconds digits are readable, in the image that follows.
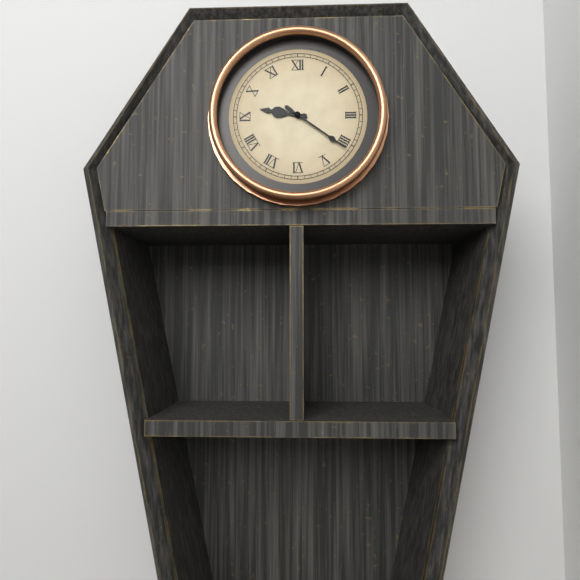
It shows 9:21
